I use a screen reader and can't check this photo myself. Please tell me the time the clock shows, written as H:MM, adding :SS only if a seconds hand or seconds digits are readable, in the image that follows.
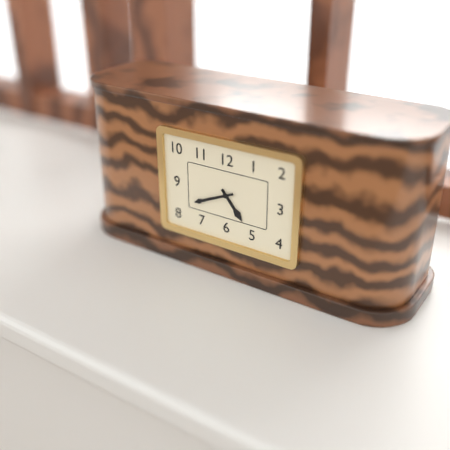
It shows 4:41
